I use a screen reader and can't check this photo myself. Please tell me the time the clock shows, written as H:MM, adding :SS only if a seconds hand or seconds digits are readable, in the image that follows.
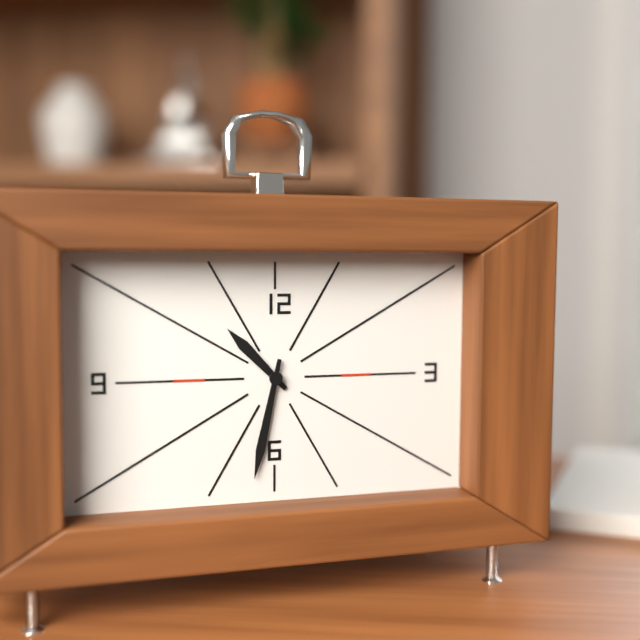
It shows 10:32
